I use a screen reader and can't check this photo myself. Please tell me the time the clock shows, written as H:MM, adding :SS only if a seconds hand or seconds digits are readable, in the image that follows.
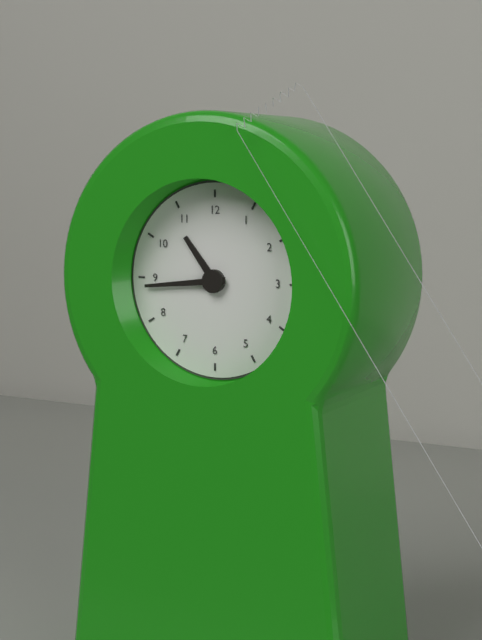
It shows 10:44
